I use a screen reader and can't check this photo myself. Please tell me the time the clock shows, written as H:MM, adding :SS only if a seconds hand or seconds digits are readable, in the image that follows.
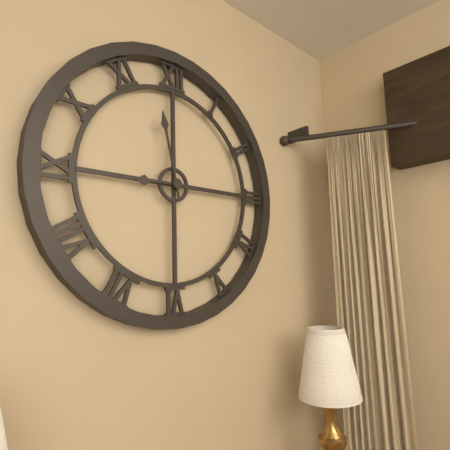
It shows 8:58
